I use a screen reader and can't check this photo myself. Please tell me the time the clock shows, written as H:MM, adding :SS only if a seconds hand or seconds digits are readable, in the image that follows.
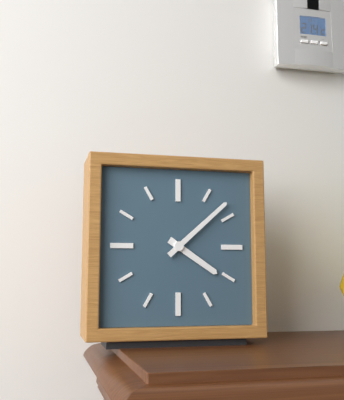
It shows 4:08
